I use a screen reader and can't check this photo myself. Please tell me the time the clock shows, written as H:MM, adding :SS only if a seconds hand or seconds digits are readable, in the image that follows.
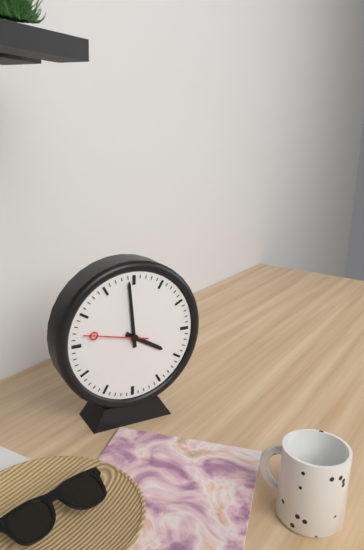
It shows 3:59:47
